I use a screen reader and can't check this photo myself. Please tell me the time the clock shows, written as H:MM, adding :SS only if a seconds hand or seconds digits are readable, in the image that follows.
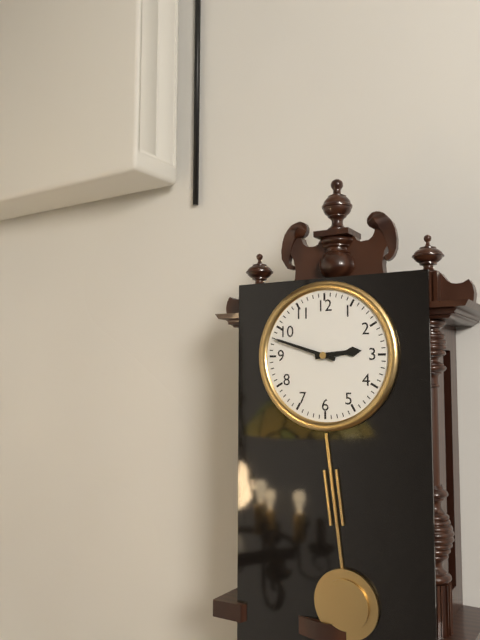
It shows 2:48
